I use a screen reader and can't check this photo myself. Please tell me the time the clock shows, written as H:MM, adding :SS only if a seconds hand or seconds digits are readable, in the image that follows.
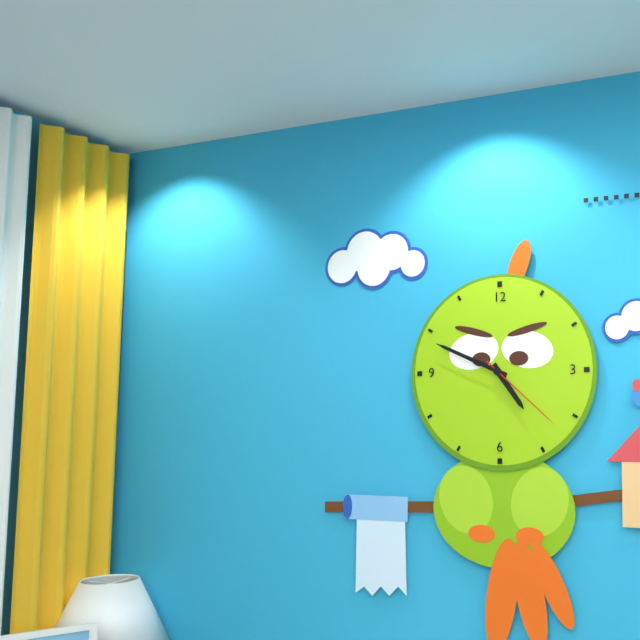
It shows 4:49:22
